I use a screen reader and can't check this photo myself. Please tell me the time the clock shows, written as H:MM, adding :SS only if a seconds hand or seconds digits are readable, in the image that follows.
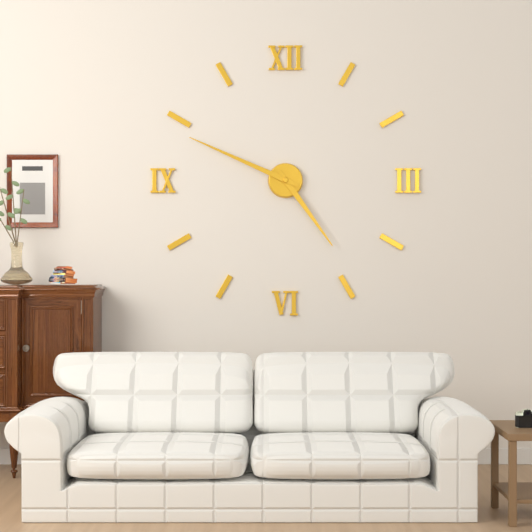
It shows 4:49
